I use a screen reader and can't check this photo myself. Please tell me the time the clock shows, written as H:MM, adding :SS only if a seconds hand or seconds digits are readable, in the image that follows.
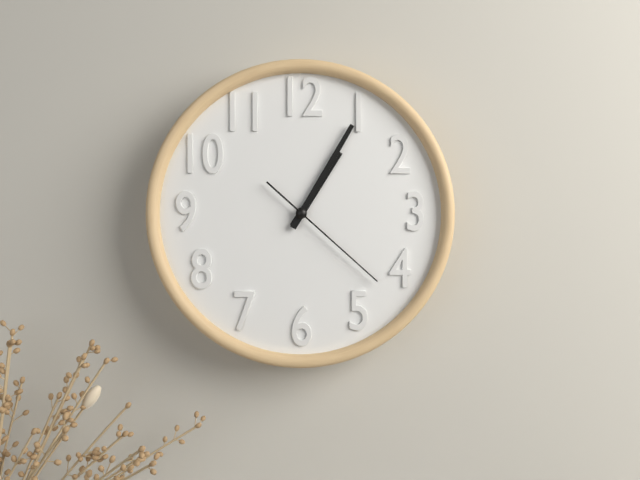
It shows 1:05:22
